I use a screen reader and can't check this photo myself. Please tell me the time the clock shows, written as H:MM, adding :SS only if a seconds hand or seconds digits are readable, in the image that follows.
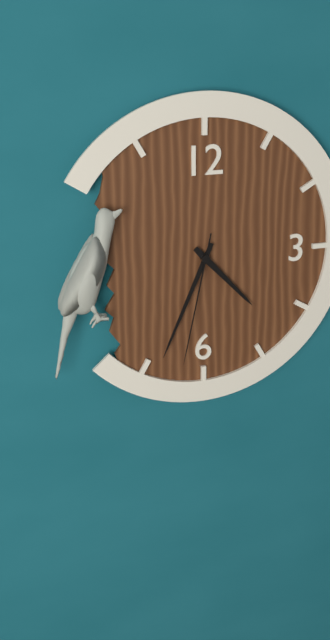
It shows 4:34:32
